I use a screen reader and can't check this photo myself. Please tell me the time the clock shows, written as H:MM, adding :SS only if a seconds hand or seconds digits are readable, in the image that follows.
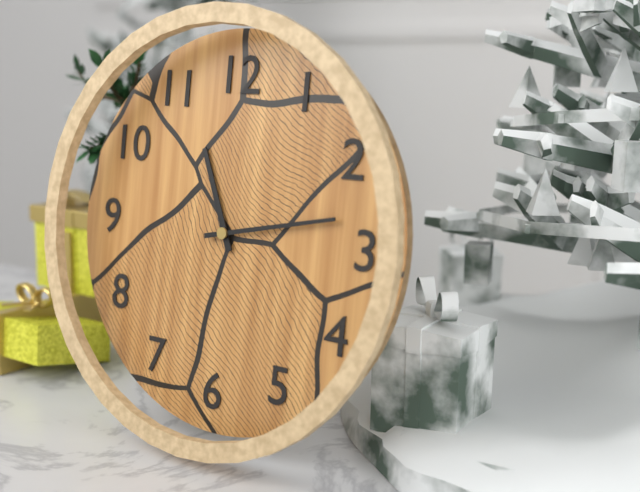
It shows 11:13
